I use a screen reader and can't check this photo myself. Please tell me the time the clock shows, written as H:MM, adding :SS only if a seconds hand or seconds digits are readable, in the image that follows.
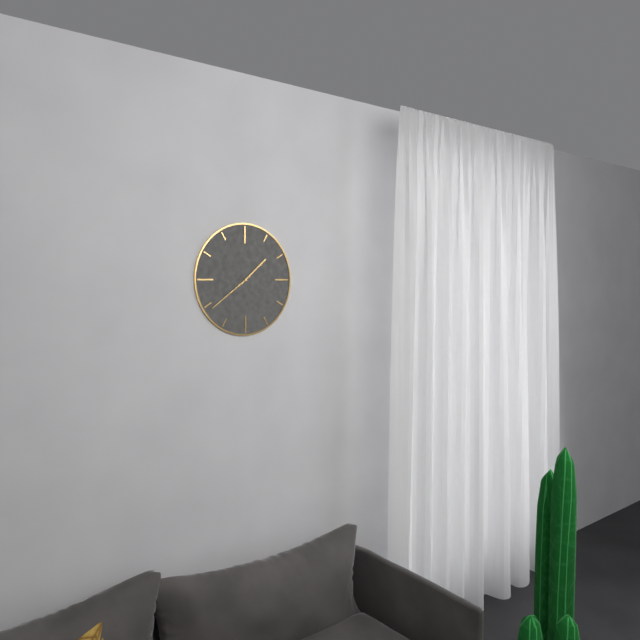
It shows 1:39
